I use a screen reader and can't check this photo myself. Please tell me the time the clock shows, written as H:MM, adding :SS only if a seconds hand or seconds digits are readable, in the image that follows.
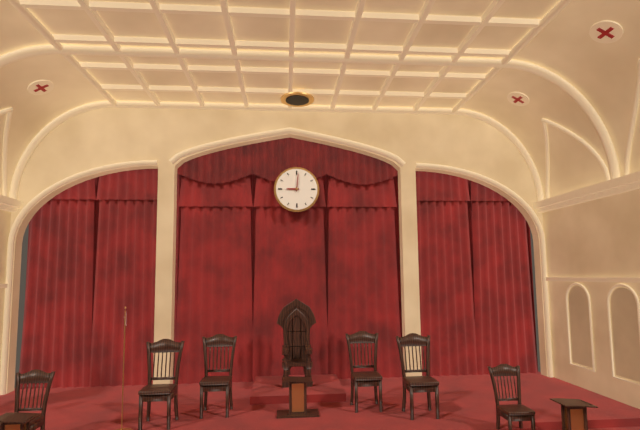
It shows 9:01
